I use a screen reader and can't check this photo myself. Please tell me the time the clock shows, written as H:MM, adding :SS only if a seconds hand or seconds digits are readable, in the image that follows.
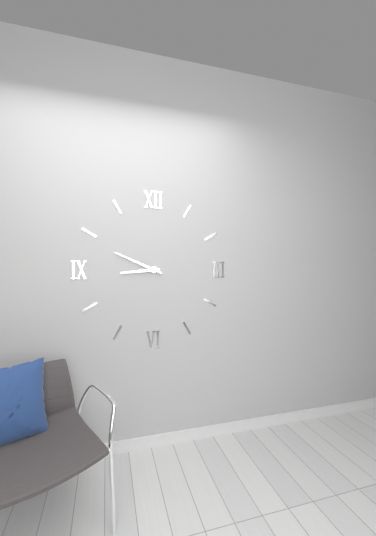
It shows 8:49
